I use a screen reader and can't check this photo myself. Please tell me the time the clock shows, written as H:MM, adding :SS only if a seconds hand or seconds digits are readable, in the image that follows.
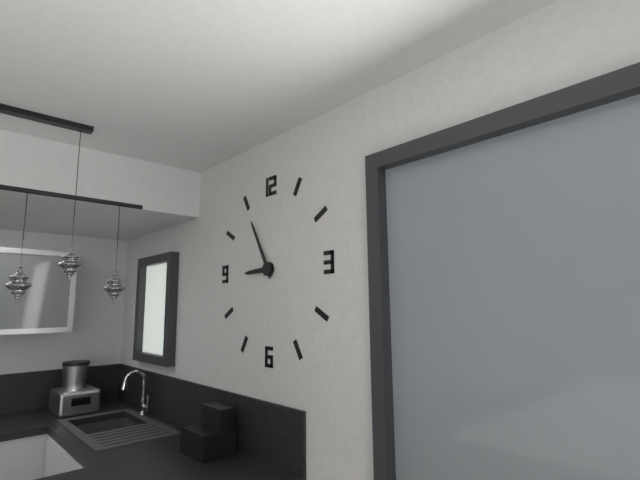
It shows 8:55
